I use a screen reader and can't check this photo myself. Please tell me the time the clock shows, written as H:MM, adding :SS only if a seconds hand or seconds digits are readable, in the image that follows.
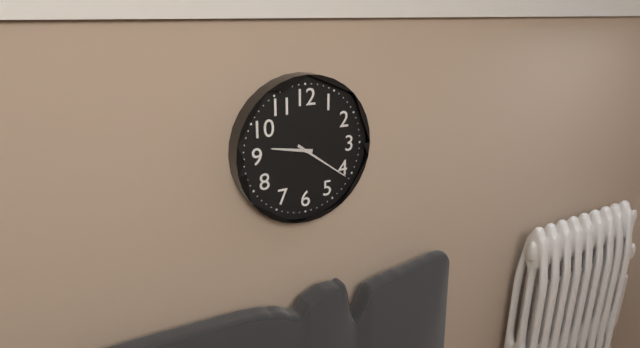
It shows 9:21
